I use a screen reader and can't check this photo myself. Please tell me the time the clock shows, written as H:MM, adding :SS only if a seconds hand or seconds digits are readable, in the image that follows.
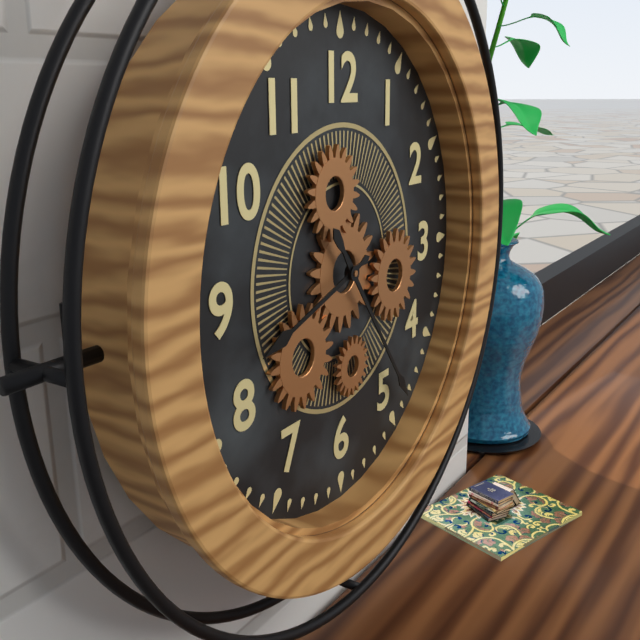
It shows 8:24
